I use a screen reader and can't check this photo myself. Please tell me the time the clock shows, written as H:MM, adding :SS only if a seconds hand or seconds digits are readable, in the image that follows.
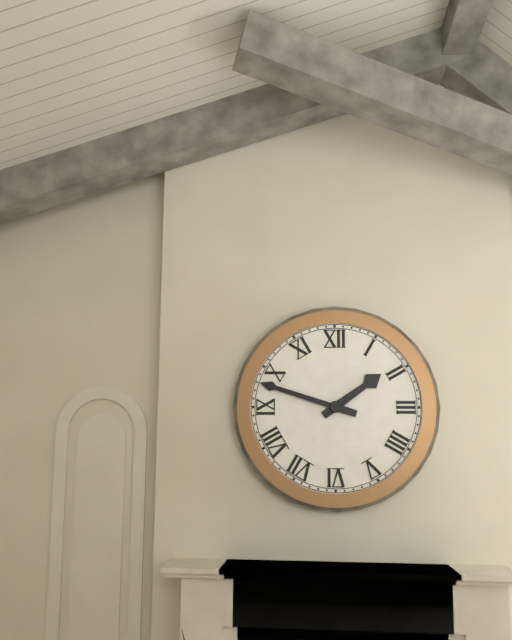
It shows 1:48
